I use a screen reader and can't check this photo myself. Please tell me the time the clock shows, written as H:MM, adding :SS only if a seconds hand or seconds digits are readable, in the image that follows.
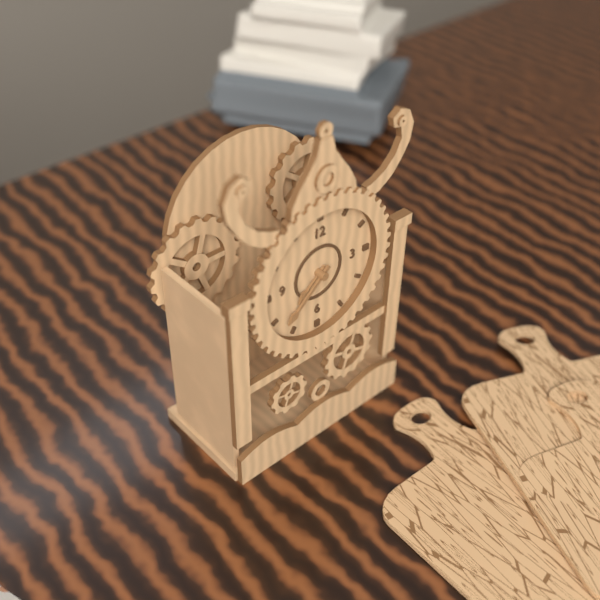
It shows 7:38
